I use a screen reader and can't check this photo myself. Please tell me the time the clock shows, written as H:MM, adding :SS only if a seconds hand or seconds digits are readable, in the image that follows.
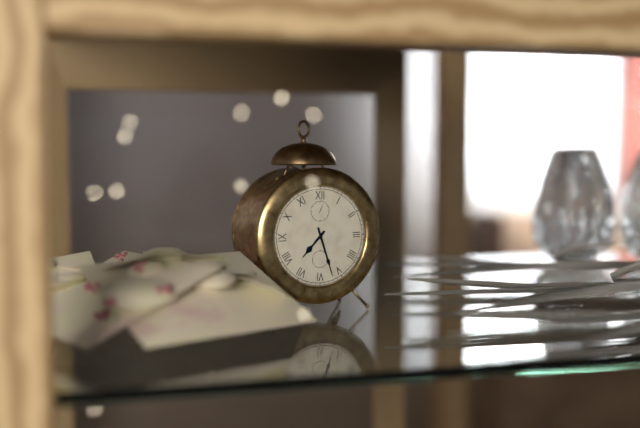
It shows 7:27
